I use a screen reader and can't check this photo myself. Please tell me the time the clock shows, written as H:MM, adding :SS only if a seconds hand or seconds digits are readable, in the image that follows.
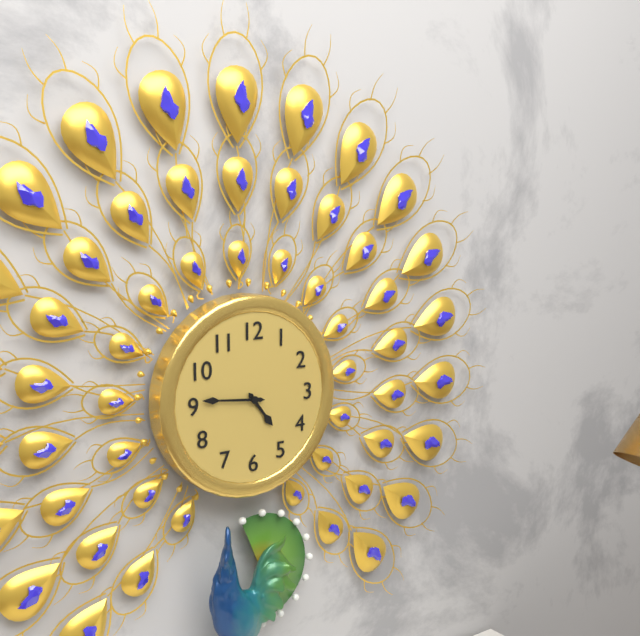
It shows 4:46
